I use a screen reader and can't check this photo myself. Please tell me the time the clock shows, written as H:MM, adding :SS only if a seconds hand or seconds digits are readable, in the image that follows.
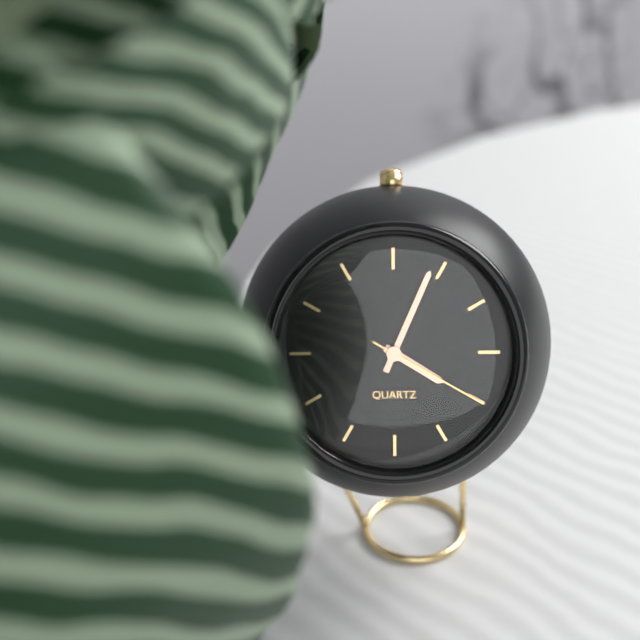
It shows 4:04:20
